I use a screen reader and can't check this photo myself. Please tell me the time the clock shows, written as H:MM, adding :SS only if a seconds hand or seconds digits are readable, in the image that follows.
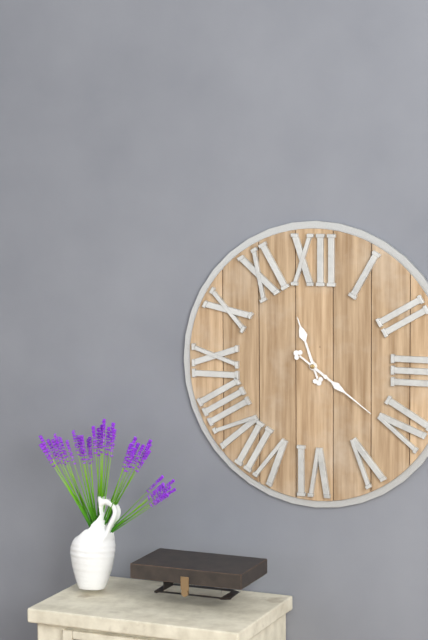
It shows 11:21
